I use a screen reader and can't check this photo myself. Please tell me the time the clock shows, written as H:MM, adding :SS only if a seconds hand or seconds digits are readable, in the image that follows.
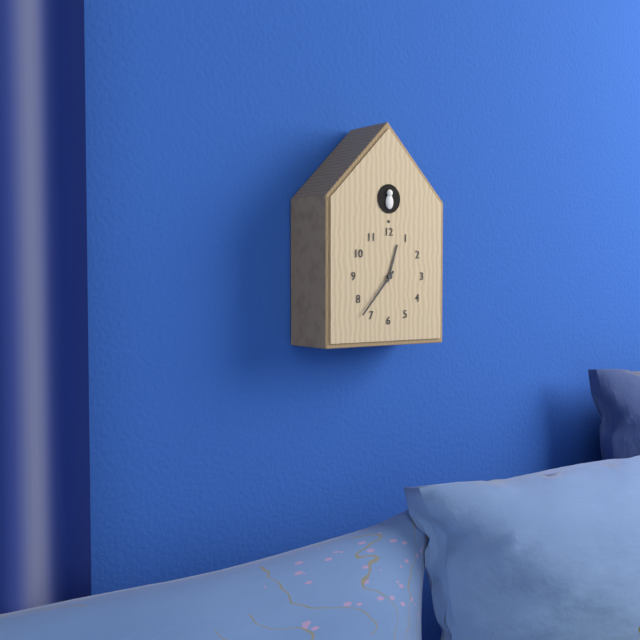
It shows 12:37
